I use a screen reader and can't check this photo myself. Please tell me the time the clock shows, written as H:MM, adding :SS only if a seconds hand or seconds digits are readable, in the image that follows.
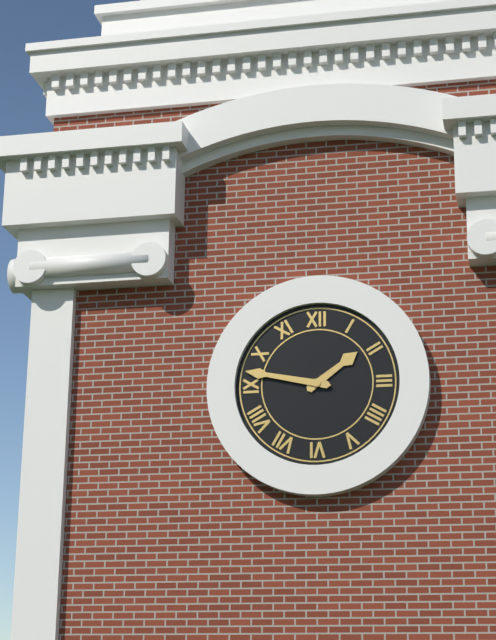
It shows 1:47
